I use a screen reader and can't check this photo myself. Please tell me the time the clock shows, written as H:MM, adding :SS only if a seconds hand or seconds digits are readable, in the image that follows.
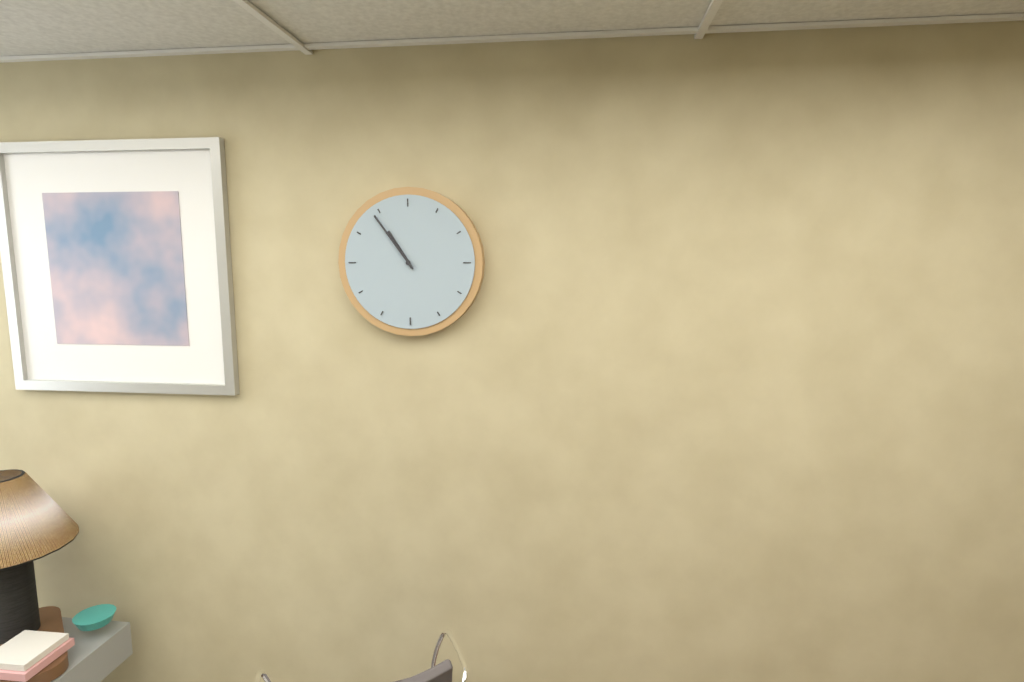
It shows 10:54
